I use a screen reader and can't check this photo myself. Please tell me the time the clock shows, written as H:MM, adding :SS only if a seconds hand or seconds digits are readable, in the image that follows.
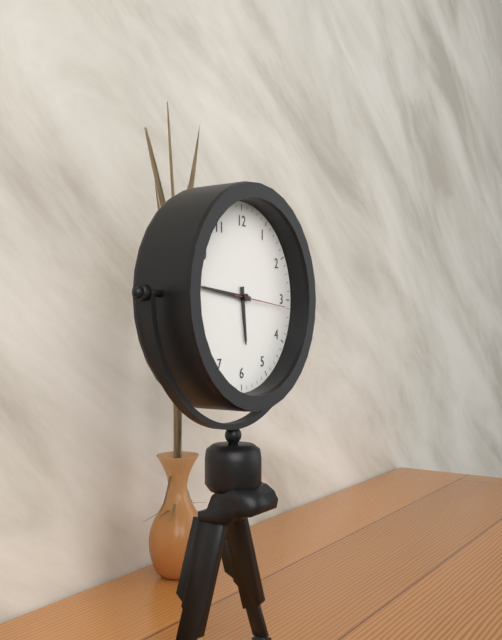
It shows 5:46:16
